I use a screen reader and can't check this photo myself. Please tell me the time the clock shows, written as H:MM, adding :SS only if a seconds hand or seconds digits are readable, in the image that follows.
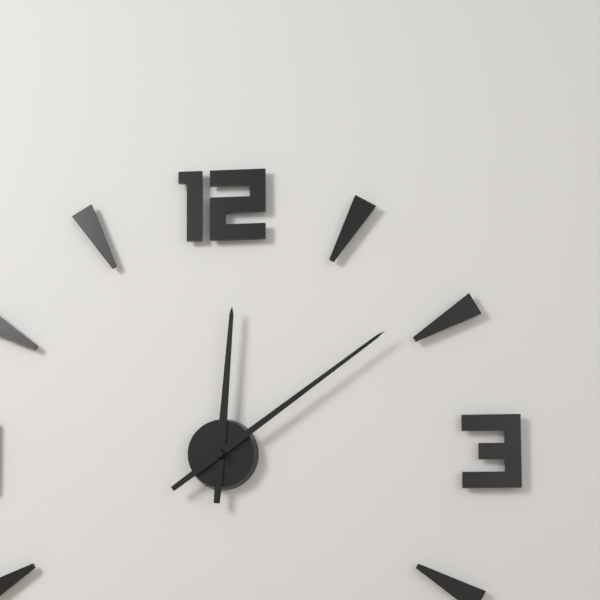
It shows 12:09
